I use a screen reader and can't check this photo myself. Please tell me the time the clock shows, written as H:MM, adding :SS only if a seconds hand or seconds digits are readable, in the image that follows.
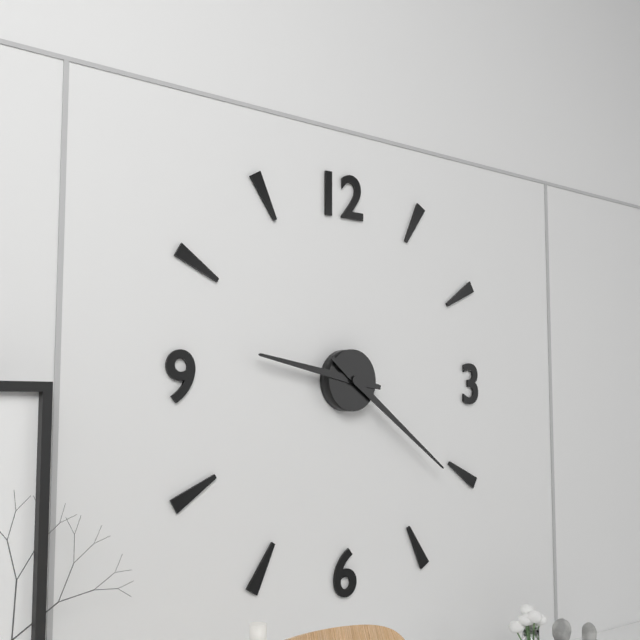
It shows 9:21
